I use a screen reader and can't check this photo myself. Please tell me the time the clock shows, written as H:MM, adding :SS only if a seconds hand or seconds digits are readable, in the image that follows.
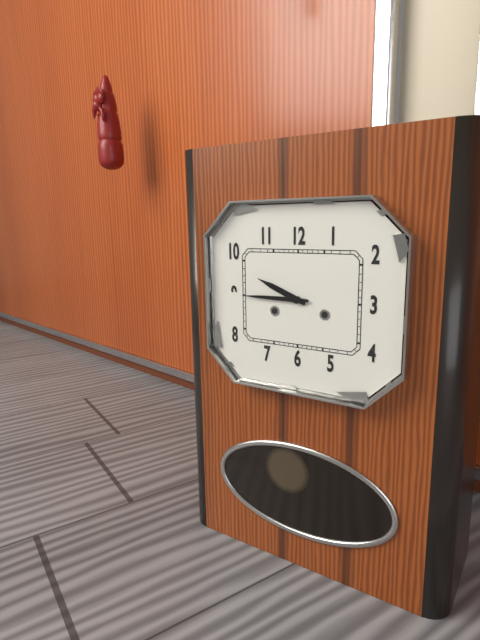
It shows 9:45
